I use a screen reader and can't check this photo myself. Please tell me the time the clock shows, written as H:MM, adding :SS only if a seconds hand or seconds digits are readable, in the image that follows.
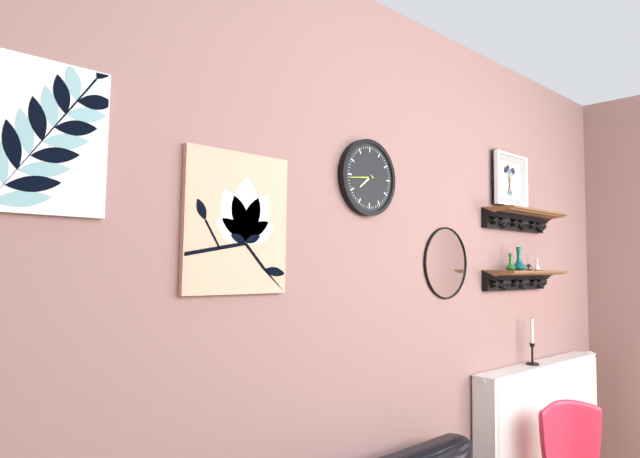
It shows 7:44
